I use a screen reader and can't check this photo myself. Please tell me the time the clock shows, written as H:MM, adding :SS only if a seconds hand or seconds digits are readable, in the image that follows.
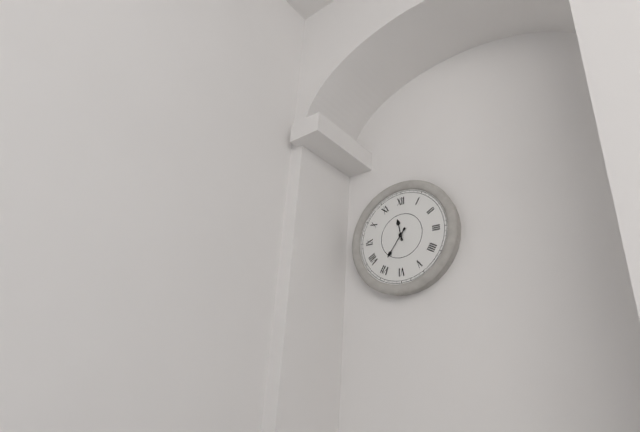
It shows 11:36
